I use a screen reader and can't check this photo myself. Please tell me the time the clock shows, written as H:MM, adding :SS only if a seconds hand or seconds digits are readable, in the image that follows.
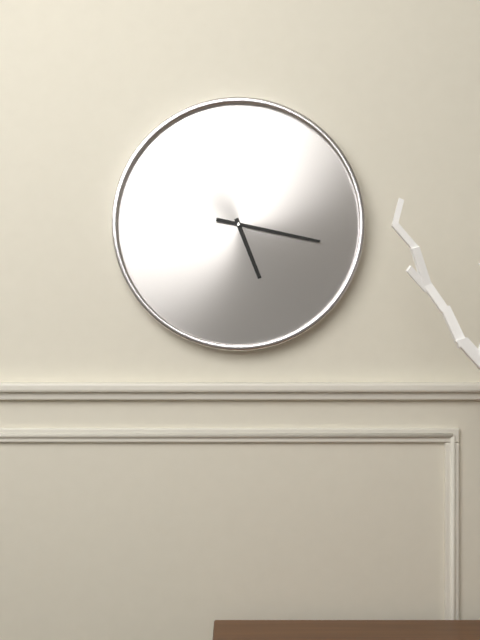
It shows 5:17
